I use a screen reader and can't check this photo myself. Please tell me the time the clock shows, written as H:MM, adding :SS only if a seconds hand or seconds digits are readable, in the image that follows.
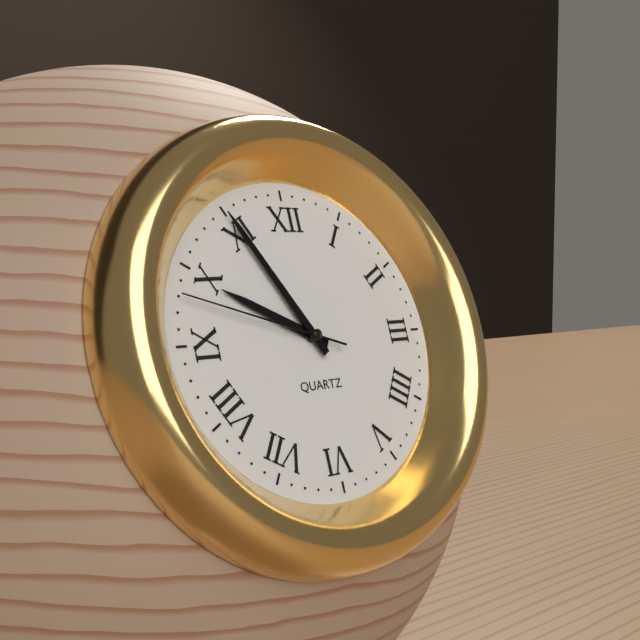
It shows 9:55:48
